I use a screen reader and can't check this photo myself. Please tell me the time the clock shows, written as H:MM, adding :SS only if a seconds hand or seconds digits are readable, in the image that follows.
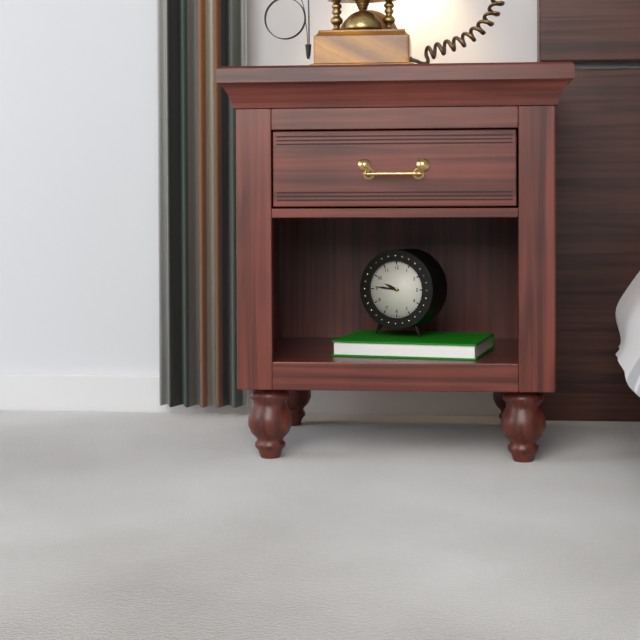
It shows 9:46
